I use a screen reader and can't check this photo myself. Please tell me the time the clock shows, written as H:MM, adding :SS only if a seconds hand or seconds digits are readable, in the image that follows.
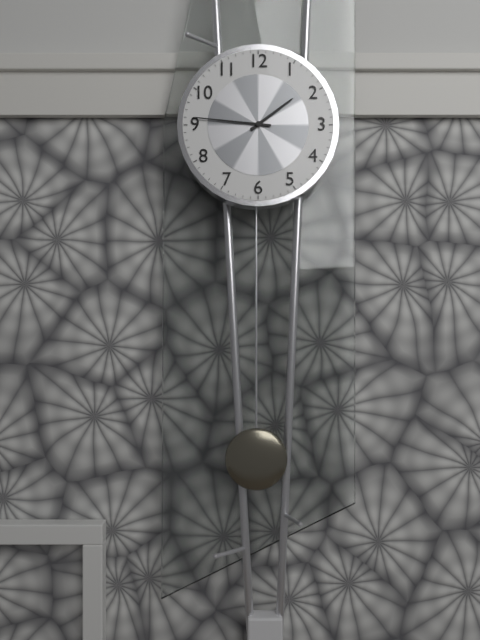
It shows 1:46
